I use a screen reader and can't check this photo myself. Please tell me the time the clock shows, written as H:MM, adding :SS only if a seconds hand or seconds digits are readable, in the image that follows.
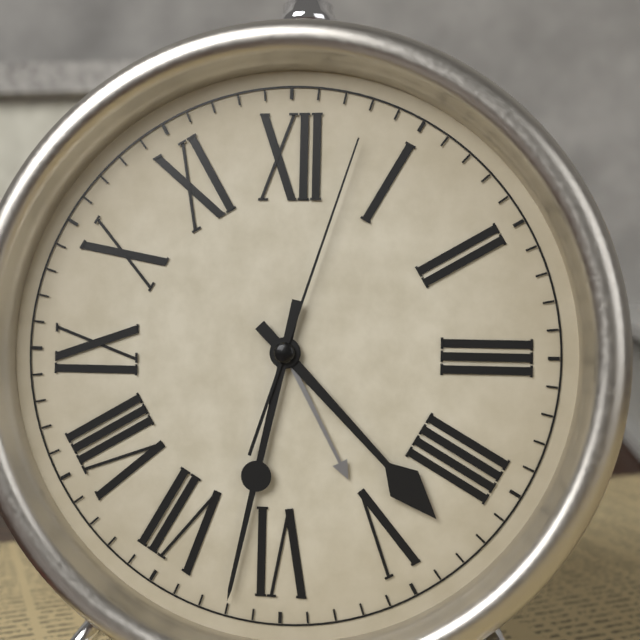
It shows 4:32:03
